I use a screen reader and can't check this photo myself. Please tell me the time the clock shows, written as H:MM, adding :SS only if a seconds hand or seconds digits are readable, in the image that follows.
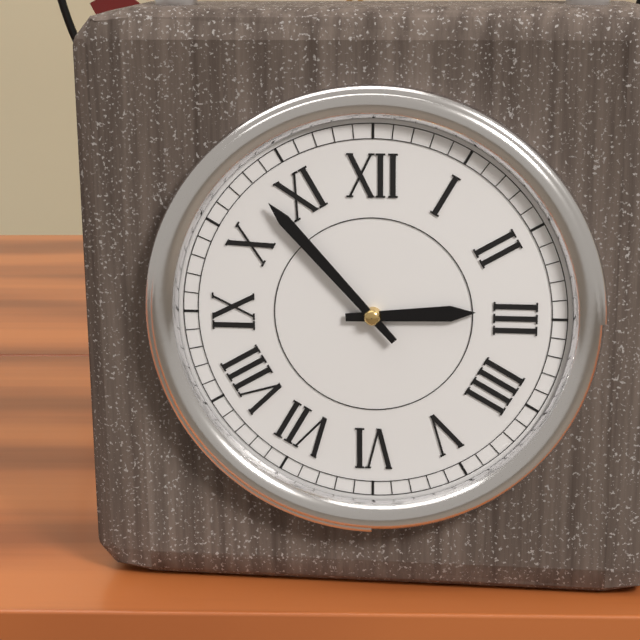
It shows 2:53
